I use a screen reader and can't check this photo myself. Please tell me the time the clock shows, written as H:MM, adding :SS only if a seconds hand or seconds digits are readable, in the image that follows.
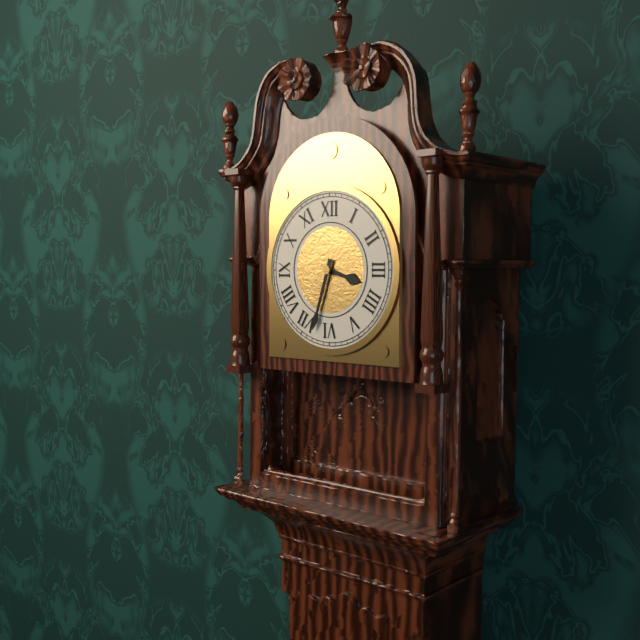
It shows 3:33
